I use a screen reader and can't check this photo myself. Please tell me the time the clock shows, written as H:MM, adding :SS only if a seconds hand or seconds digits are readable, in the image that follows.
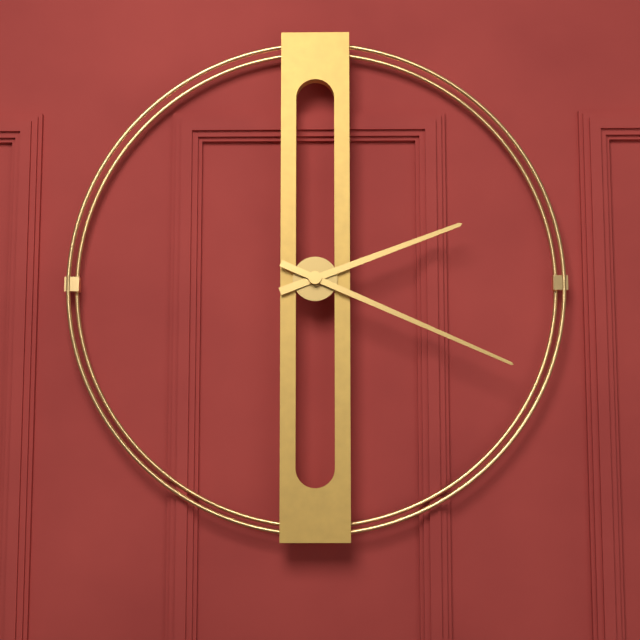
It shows 2:19
